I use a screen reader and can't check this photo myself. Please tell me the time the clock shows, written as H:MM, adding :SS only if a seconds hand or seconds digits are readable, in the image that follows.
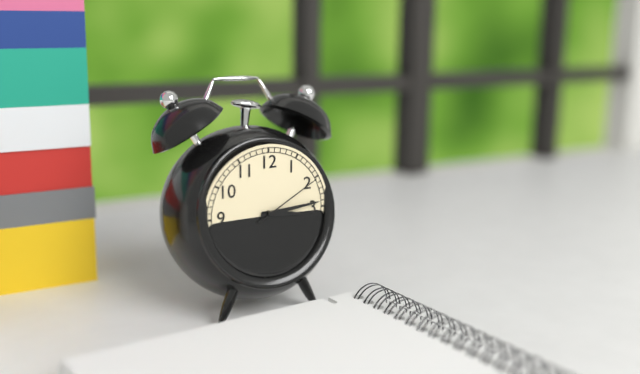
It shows 3:14:10
